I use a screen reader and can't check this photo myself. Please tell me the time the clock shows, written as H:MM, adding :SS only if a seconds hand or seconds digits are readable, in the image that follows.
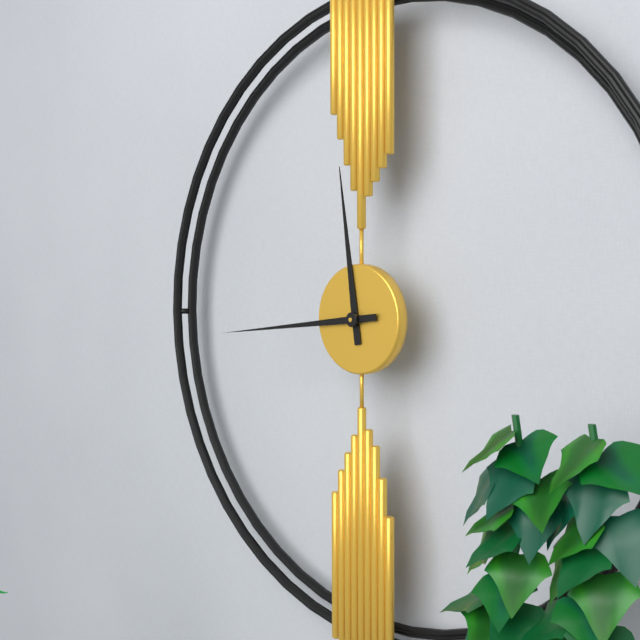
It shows 11:44
